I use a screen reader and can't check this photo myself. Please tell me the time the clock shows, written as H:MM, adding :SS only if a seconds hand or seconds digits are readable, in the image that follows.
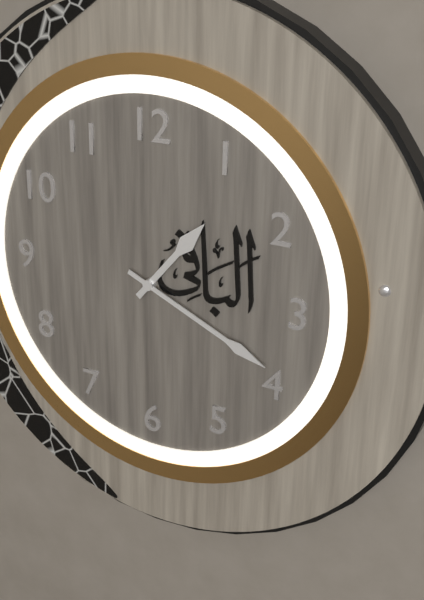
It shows 1:19
